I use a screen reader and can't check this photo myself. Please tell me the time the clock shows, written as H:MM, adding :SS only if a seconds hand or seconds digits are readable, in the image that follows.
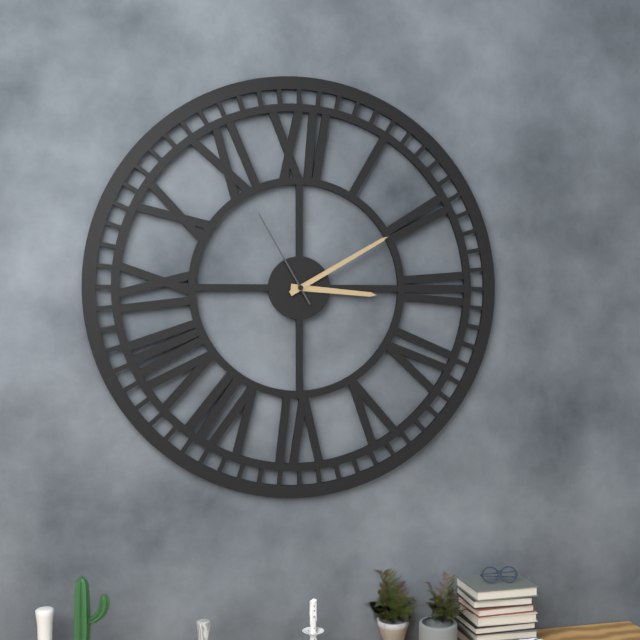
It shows 3:10:55
